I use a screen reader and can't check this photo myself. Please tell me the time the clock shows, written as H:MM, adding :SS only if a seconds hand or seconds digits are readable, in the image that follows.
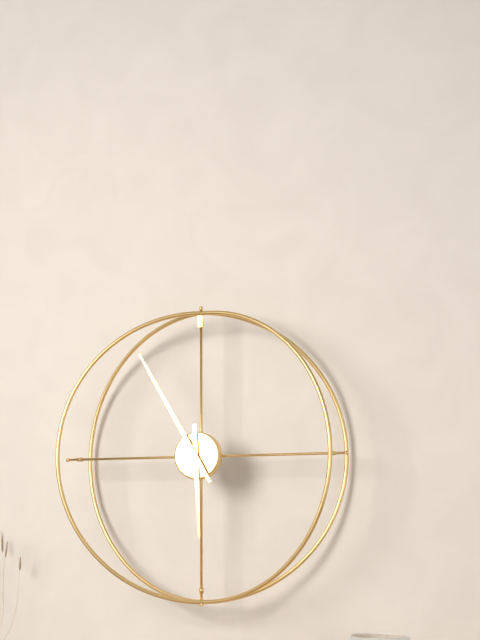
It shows 5:55
